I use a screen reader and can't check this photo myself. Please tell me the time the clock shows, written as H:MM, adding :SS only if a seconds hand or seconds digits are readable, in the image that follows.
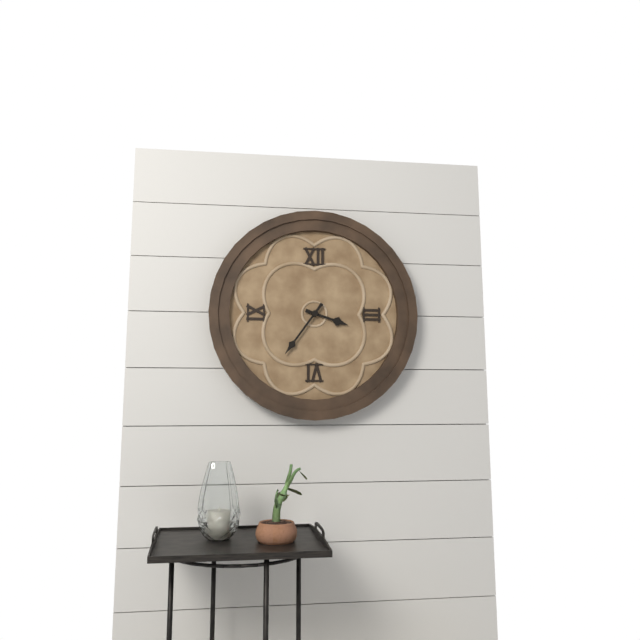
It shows 3:36
